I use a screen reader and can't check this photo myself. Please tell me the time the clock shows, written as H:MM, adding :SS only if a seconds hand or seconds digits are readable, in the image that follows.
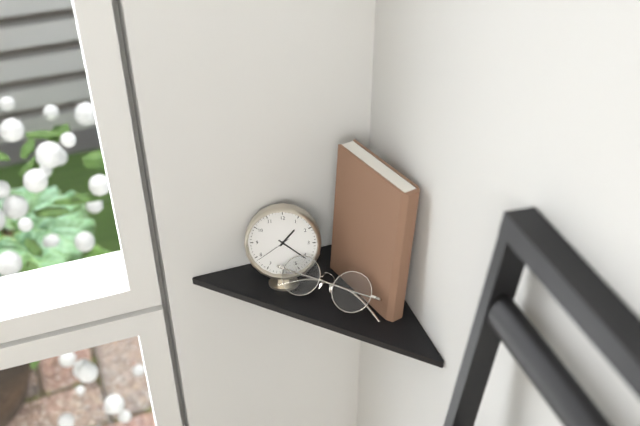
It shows 1:21
